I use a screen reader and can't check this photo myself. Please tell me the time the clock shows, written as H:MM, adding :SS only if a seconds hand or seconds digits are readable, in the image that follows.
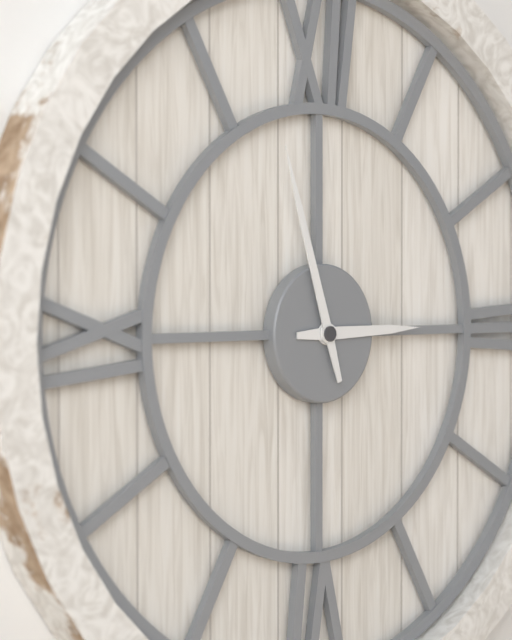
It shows 2:57
